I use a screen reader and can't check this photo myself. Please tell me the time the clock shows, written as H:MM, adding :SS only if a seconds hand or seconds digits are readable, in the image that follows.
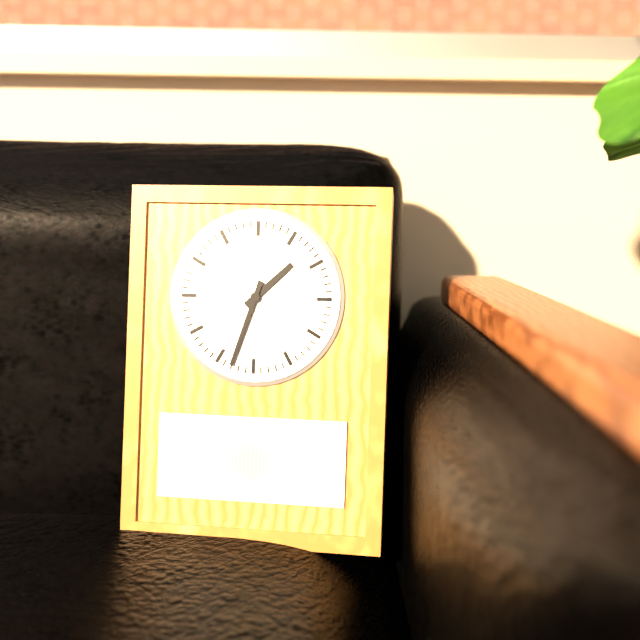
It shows 1:33
